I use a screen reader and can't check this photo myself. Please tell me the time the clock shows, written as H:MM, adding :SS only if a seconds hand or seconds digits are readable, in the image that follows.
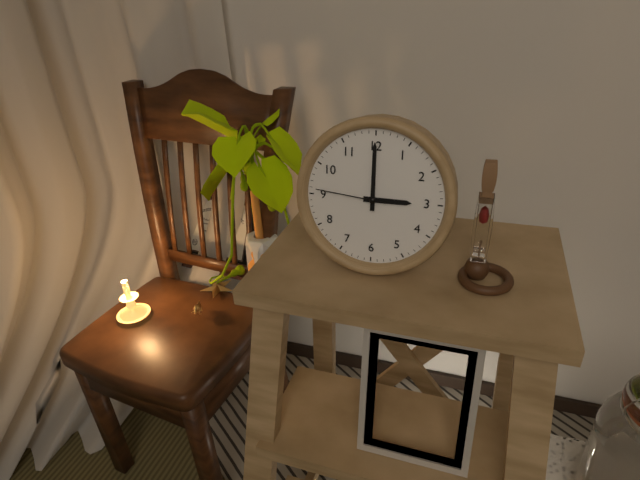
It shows 3:00:46
